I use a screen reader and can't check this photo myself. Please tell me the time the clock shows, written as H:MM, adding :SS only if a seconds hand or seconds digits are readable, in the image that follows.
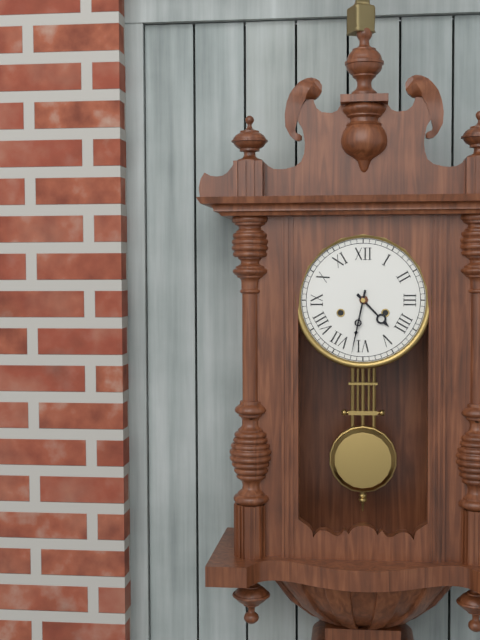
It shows 4:32
